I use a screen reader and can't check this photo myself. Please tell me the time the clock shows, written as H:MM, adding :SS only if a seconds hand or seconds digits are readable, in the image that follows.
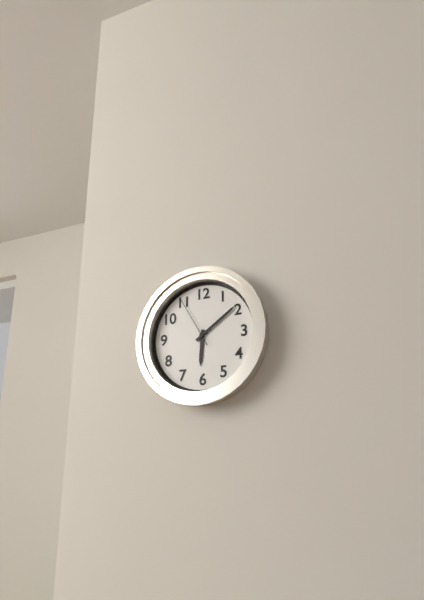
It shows 6:09:55
